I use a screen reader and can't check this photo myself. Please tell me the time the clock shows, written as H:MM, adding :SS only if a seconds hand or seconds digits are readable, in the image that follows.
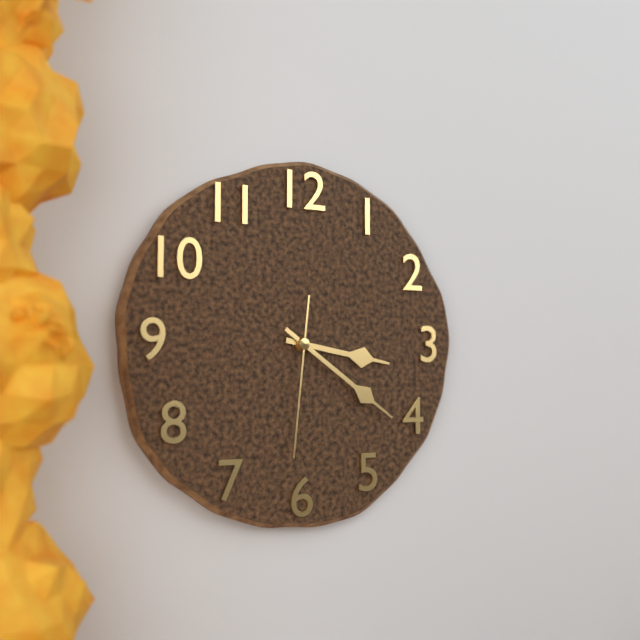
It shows 3:21:31
